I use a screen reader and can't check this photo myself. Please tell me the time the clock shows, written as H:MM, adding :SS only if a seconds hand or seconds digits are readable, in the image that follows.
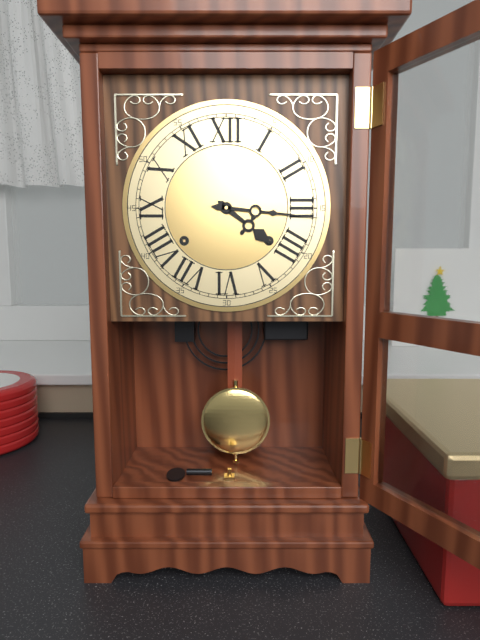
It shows 4:16
